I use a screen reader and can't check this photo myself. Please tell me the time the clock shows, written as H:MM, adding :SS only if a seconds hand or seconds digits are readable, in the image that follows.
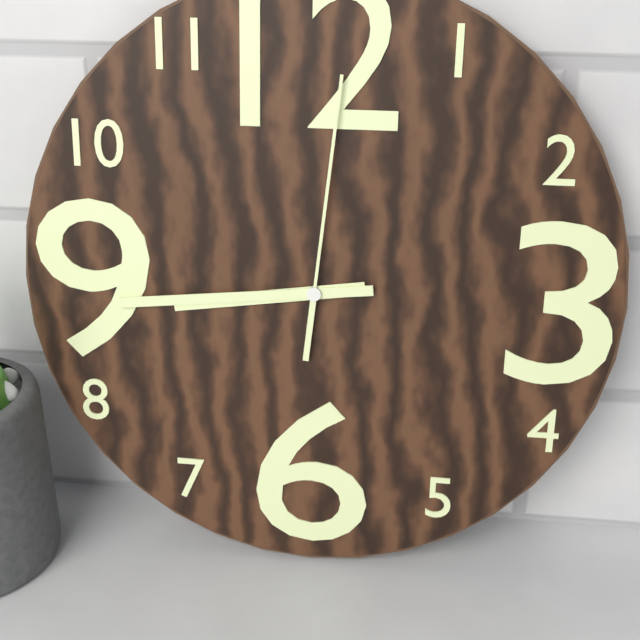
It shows 8:44:01
